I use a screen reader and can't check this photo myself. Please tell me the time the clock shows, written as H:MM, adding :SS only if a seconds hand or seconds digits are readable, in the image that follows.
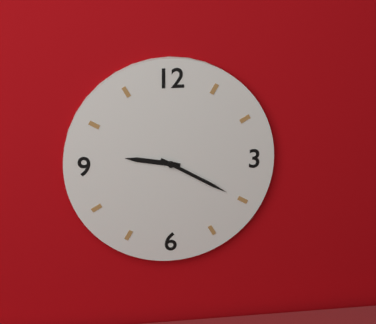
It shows 9:20
